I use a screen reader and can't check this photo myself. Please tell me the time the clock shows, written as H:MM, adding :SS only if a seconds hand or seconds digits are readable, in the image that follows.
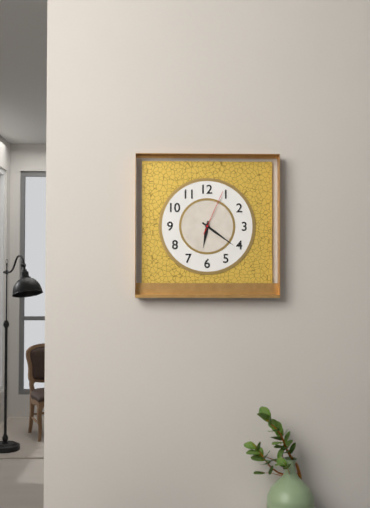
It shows 6:21
